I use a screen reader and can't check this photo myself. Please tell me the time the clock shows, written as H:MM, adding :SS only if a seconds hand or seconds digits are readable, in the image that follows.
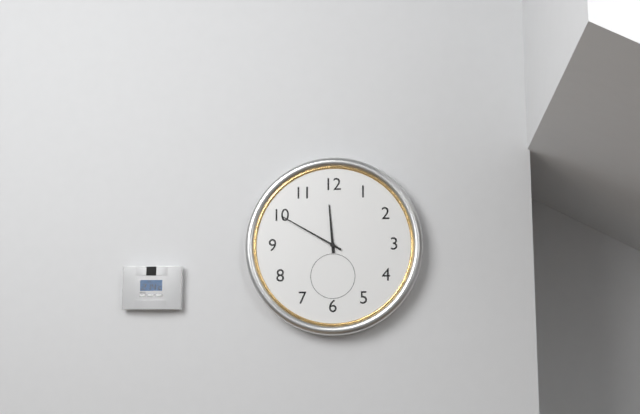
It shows 11:50
